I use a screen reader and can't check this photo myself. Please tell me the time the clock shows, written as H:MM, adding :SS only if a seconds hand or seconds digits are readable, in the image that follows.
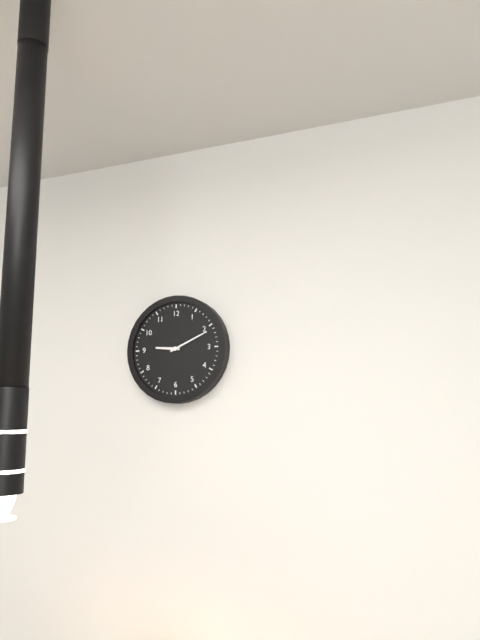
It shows 9:11
